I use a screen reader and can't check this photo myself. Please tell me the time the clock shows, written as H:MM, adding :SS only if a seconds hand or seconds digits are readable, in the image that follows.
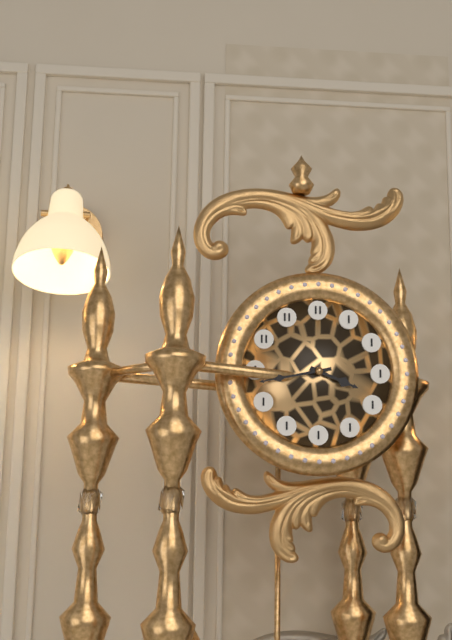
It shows 3:43
